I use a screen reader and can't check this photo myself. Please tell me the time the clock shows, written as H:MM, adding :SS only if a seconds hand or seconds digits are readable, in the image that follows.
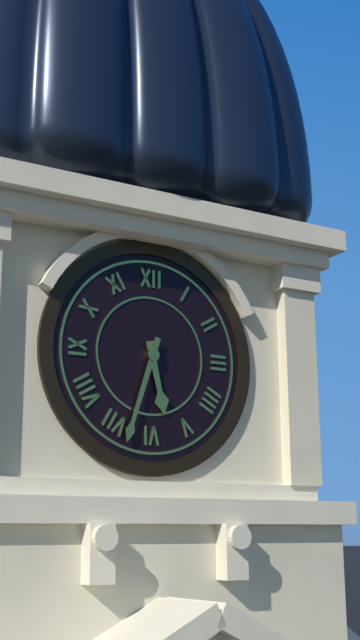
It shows 5:33
